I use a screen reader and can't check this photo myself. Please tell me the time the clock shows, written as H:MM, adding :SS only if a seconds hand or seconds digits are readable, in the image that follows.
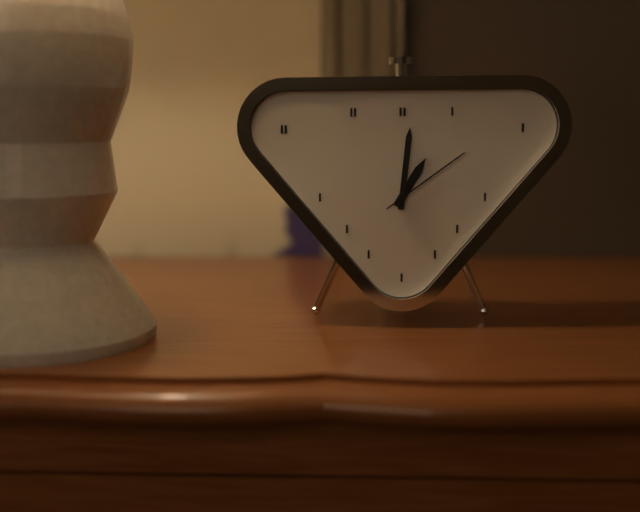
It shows 1:01:09
